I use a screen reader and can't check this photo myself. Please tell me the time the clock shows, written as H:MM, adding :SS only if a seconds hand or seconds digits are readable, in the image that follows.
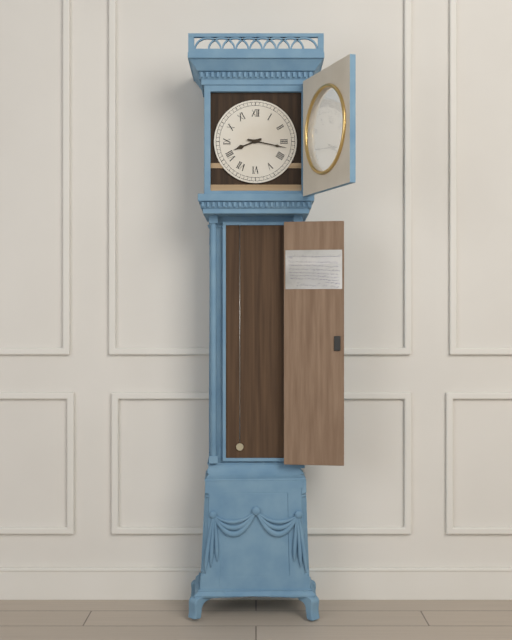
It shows 8:17
